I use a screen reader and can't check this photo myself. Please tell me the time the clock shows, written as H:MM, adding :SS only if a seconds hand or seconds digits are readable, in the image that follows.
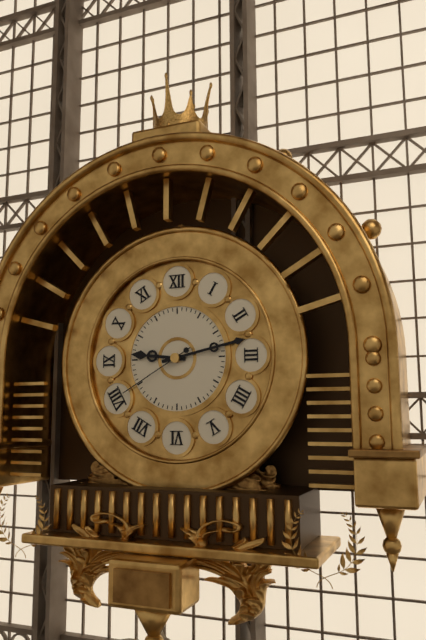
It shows 9:13:40
